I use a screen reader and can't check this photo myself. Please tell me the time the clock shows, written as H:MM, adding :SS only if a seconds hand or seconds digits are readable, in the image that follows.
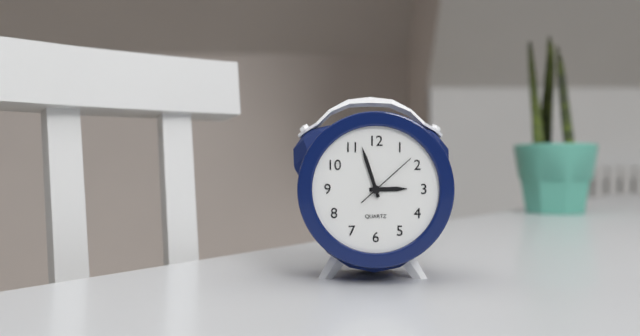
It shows 2:57:08
